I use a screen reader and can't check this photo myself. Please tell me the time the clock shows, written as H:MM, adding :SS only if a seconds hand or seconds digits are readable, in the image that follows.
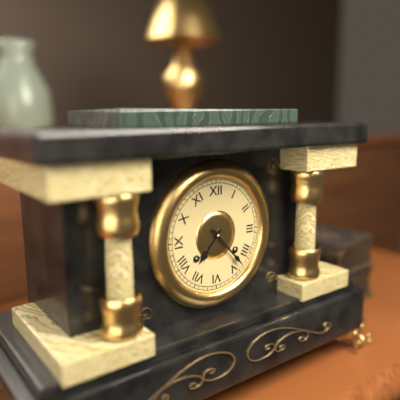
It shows 7:23
